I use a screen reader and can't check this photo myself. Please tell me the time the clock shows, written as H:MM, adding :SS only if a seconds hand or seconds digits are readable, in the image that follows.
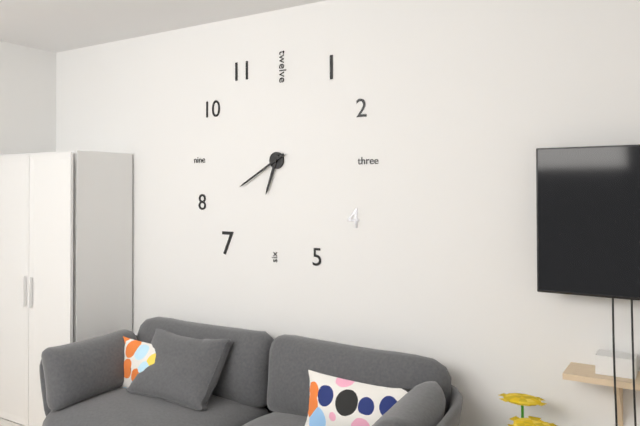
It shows 6:40
